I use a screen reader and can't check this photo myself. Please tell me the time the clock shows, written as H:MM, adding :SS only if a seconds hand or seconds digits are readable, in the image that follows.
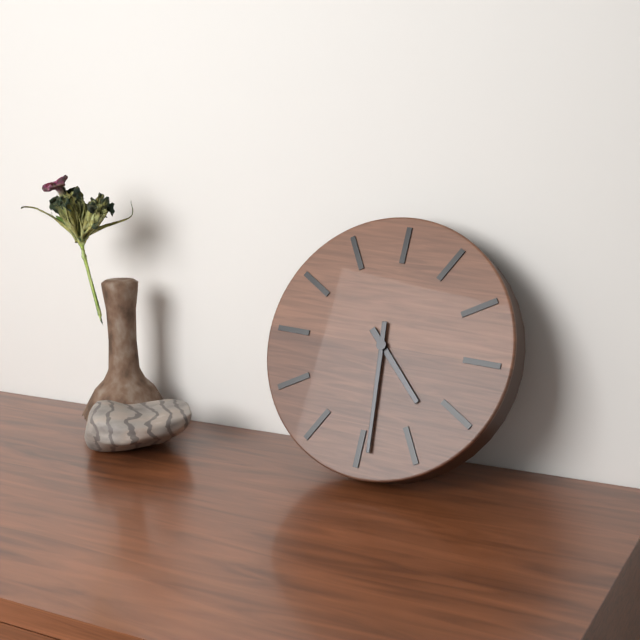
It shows 4:29
